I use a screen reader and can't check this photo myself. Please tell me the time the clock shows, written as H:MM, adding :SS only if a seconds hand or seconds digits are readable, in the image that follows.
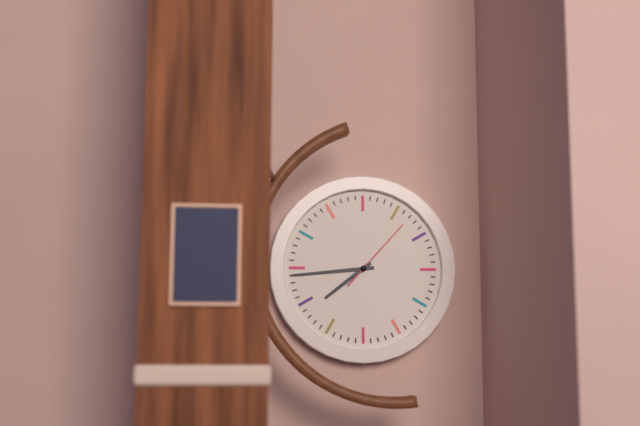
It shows 7:44:07
